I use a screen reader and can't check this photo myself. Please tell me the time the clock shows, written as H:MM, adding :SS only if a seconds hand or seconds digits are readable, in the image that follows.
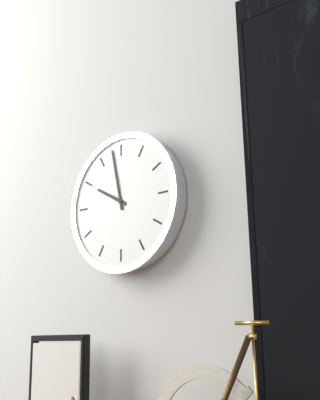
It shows 9:58
